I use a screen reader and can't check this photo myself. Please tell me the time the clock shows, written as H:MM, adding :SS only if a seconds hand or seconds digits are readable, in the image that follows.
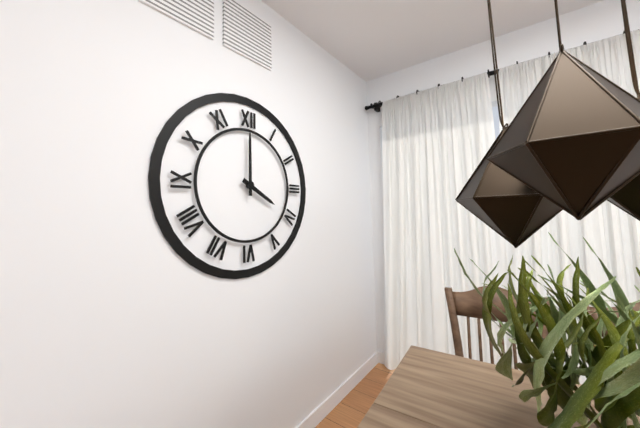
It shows 4:00
